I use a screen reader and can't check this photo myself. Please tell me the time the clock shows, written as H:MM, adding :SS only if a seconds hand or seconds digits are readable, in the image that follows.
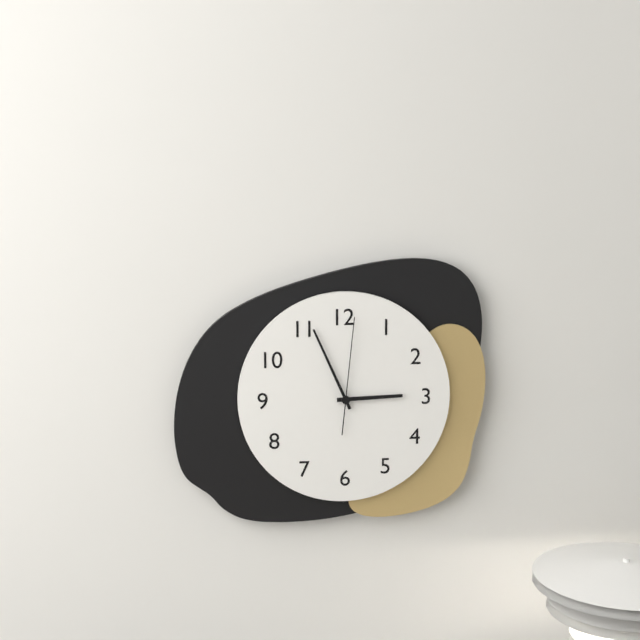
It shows 2:56:01
